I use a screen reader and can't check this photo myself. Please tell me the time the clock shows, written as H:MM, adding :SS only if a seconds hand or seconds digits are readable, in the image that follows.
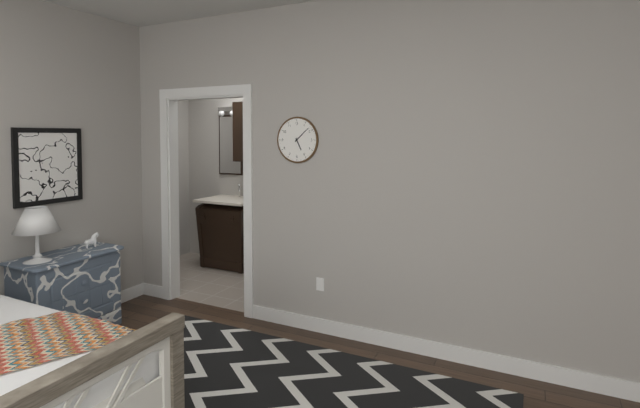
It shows 5:08
